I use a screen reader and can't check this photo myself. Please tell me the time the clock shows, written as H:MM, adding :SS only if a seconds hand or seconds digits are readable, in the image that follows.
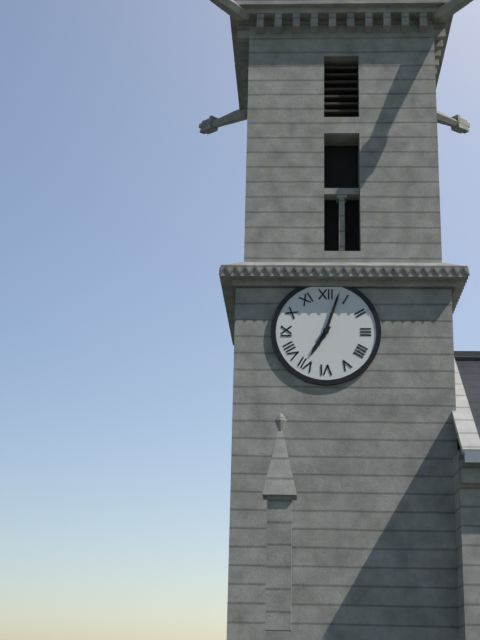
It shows 7:03
